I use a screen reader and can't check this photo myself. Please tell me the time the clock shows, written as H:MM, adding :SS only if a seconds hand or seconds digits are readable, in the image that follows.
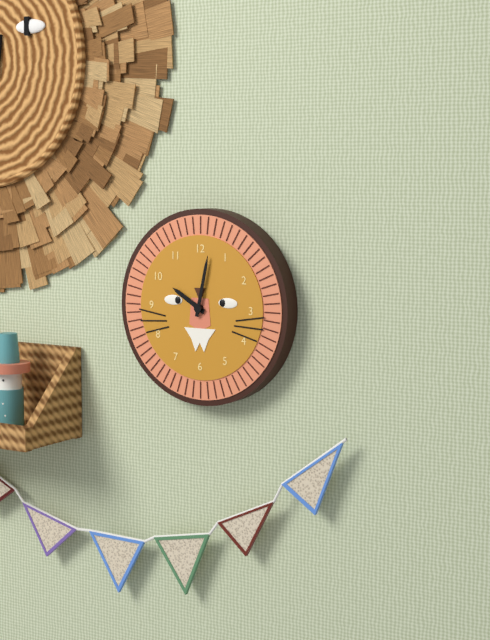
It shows 10:02
